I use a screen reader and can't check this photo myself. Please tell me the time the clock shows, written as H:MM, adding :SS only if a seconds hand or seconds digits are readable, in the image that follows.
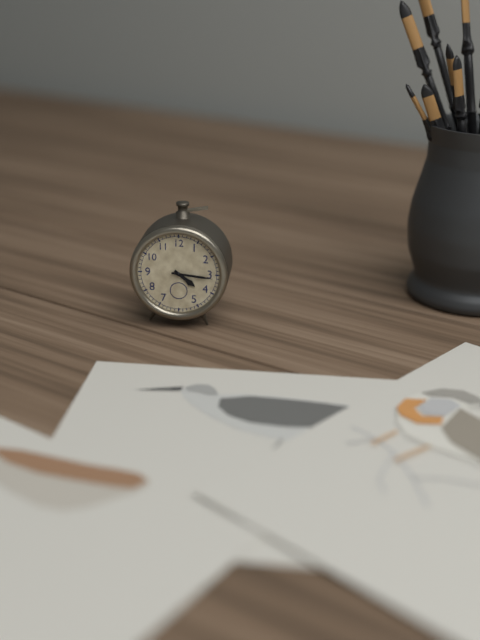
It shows 4:16
